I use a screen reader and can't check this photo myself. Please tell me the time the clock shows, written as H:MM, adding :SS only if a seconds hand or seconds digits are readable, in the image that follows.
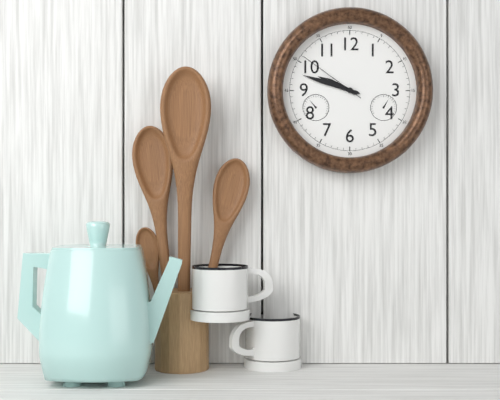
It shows 9:48:51
